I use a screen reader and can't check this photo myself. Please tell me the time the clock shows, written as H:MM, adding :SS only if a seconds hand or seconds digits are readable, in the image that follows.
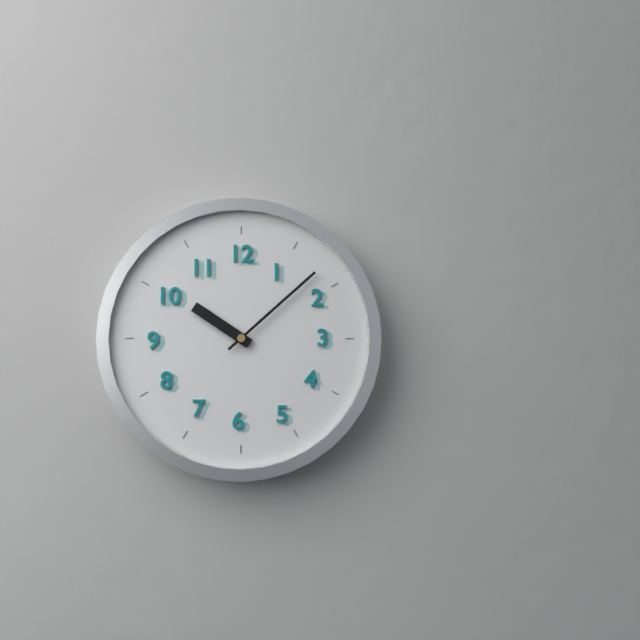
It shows 10:08
